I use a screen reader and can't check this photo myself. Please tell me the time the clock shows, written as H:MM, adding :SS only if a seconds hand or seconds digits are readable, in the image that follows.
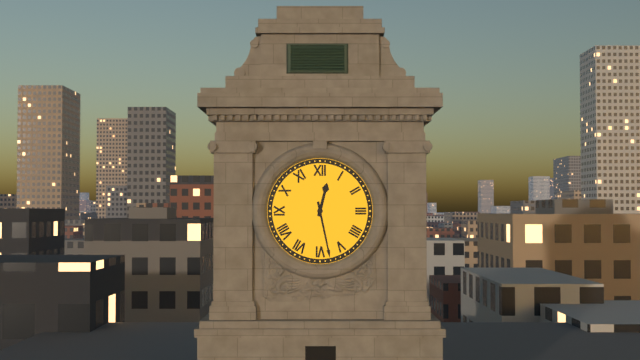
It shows 12:28
